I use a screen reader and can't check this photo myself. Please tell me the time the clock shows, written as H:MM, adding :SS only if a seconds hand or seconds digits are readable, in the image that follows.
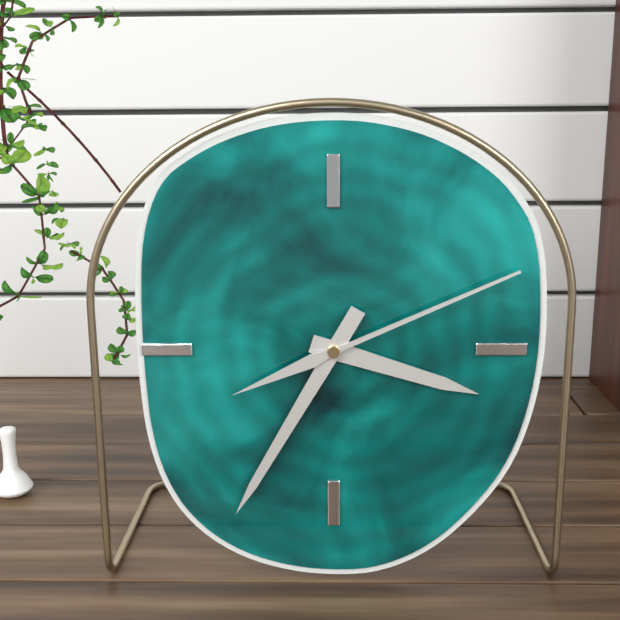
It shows 3:35:11
